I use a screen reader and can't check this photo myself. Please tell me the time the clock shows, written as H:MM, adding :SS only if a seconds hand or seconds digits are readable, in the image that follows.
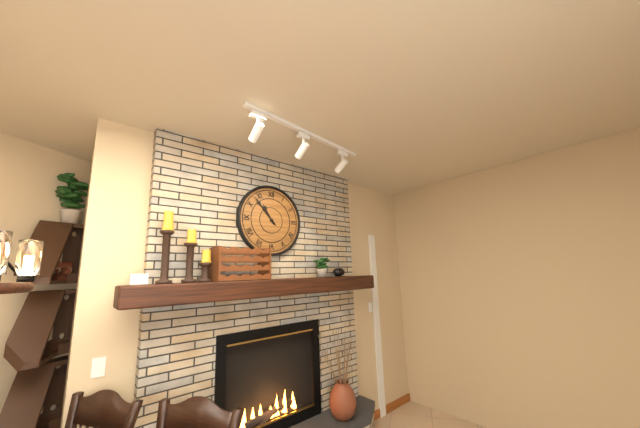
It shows 10:53
